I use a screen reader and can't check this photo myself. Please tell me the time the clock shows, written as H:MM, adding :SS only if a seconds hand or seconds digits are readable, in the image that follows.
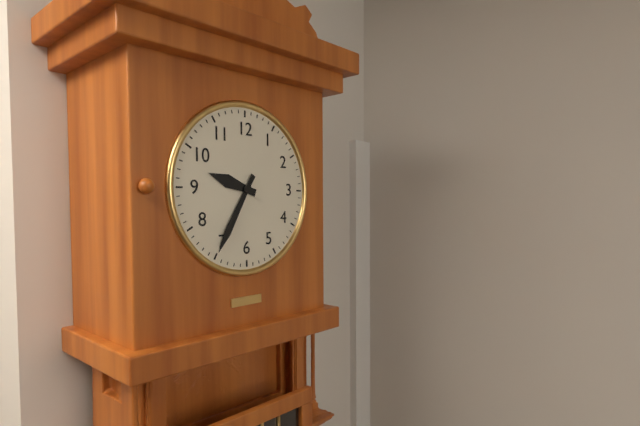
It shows 9:35
